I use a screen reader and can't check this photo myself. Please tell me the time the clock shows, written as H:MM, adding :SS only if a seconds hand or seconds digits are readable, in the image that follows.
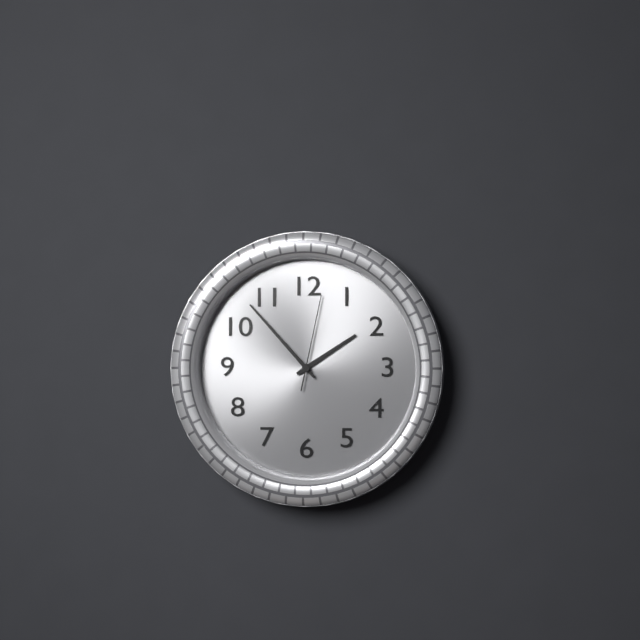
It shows 1:53:02
